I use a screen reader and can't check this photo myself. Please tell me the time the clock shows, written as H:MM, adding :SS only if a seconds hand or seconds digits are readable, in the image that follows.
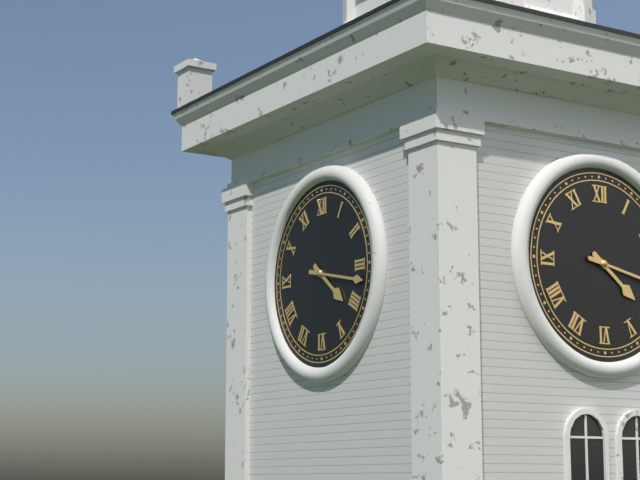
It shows 4:17
